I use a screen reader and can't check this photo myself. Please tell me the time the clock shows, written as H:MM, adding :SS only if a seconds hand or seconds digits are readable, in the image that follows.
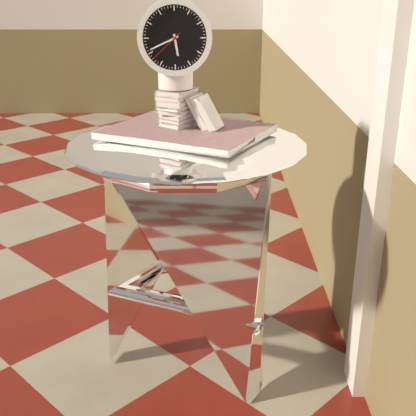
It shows 5:41
